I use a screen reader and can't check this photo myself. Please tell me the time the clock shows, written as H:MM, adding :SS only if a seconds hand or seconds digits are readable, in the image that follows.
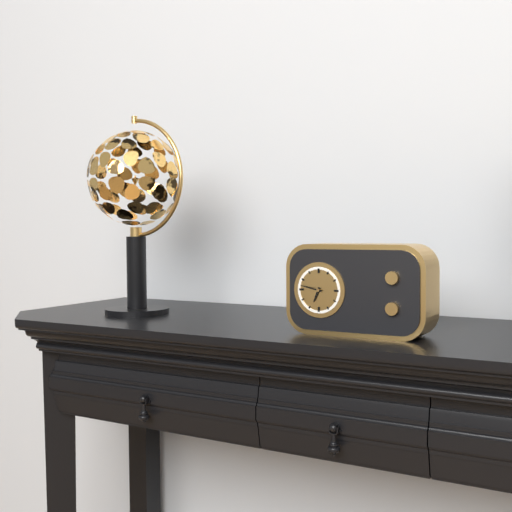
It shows 6:47
